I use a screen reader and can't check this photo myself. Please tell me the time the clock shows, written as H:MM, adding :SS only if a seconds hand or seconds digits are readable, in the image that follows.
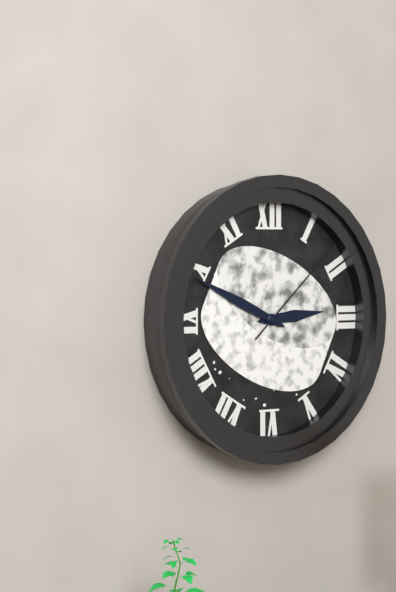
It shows 2:49:08
